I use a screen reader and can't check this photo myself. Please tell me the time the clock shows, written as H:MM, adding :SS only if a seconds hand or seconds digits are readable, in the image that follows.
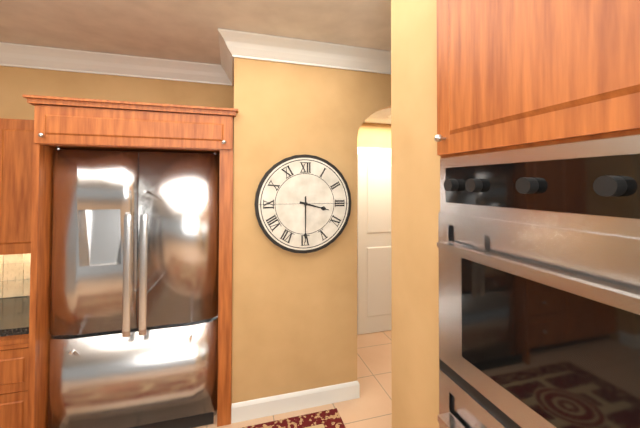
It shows 3:30
